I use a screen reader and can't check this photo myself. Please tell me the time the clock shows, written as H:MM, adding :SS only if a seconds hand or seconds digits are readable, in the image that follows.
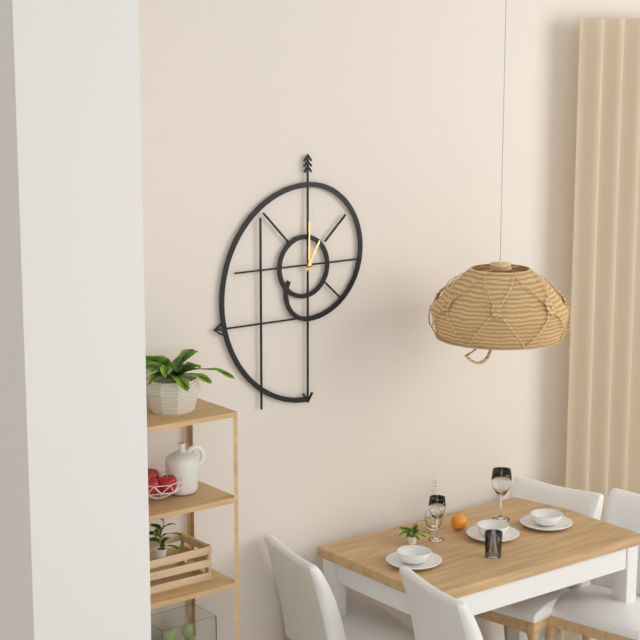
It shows 1:00
